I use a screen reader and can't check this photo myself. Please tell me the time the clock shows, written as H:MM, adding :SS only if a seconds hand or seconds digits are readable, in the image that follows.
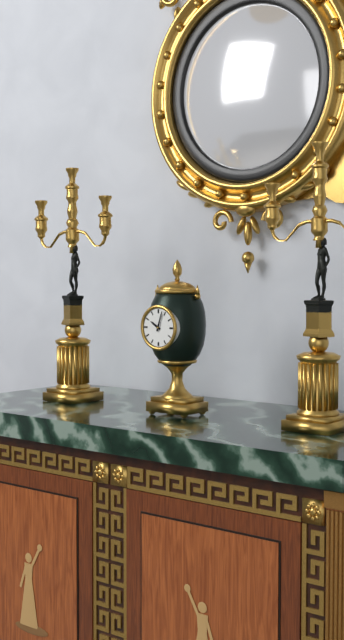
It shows 10:03
